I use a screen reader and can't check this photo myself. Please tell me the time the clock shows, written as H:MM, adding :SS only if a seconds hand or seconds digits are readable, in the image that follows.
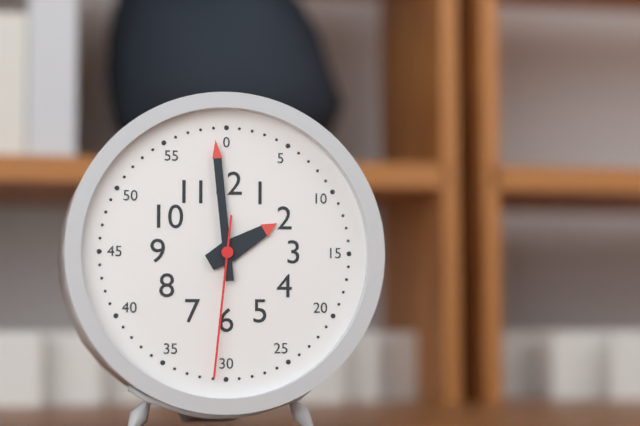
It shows 1:59:31
